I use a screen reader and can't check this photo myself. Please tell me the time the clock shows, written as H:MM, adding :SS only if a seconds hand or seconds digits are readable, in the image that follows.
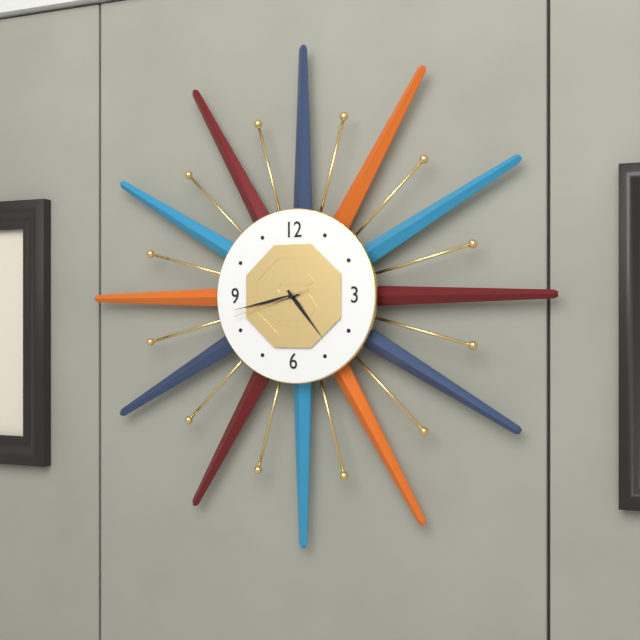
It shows 4:43:42
